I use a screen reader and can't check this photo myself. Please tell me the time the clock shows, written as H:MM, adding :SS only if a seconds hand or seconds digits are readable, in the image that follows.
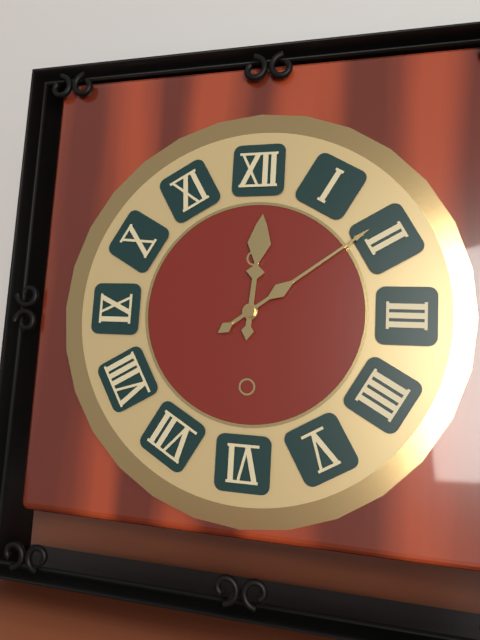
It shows 12:09
